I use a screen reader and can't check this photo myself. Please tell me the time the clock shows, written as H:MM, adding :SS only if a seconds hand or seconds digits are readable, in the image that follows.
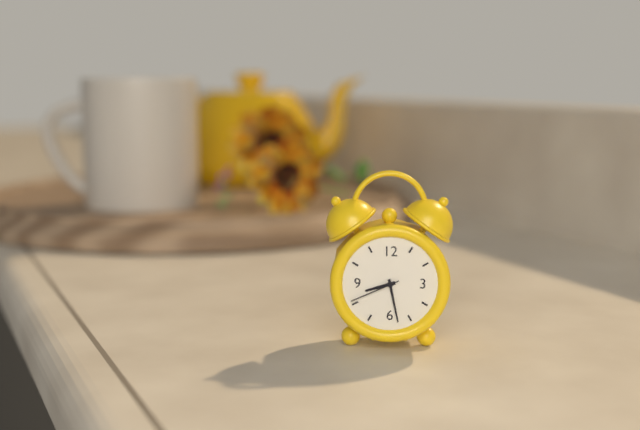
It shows 8:28:41
